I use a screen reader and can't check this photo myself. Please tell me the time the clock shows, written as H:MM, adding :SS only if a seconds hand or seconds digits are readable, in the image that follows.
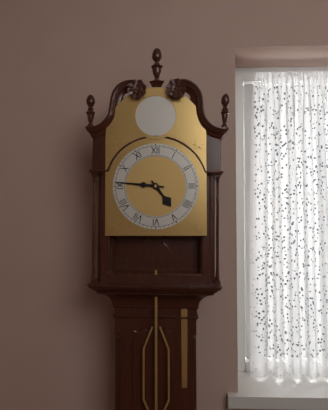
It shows 4:46
